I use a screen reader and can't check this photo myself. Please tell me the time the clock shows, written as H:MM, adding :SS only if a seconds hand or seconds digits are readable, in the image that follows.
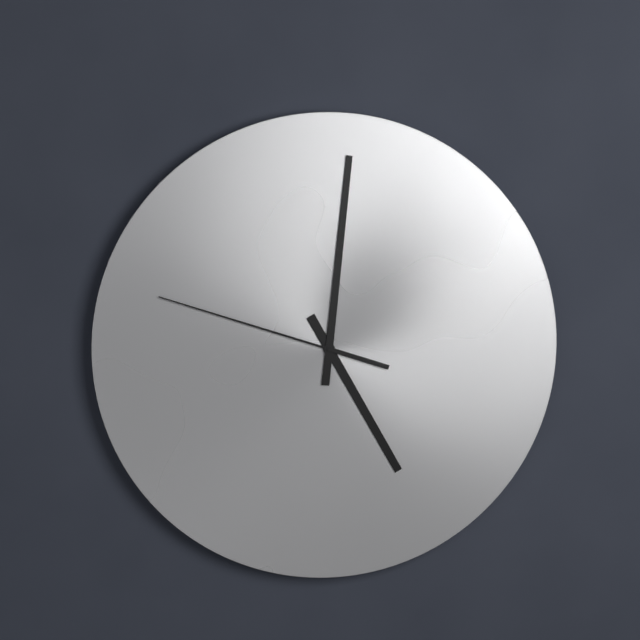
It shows 5:01:48
